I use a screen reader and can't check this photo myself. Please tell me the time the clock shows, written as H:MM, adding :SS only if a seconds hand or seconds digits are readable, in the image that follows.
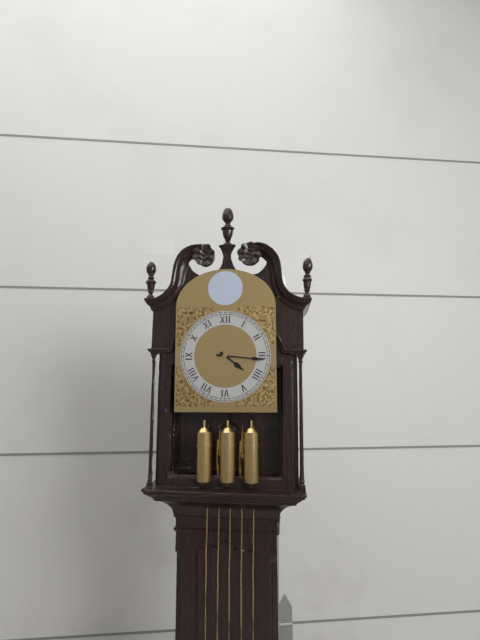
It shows 4:16
